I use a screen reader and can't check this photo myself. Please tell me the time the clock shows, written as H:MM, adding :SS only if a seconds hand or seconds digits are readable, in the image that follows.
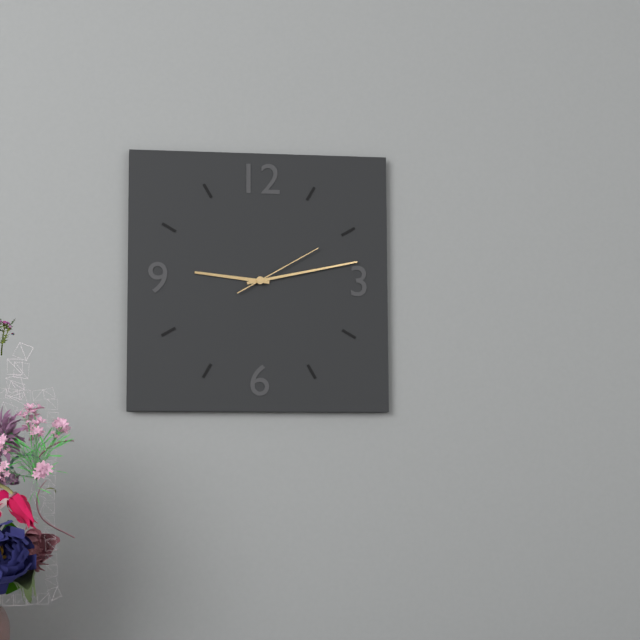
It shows 9:13:10
